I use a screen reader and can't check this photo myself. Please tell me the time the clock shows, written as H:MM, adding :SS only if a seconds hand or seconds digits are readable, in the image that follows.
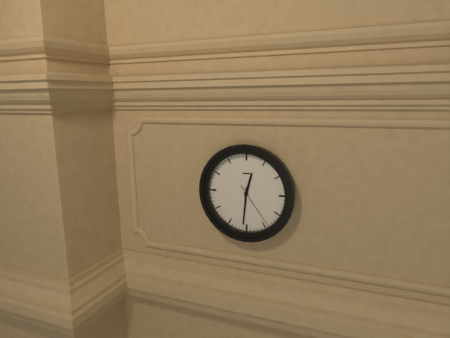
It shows 12:31
